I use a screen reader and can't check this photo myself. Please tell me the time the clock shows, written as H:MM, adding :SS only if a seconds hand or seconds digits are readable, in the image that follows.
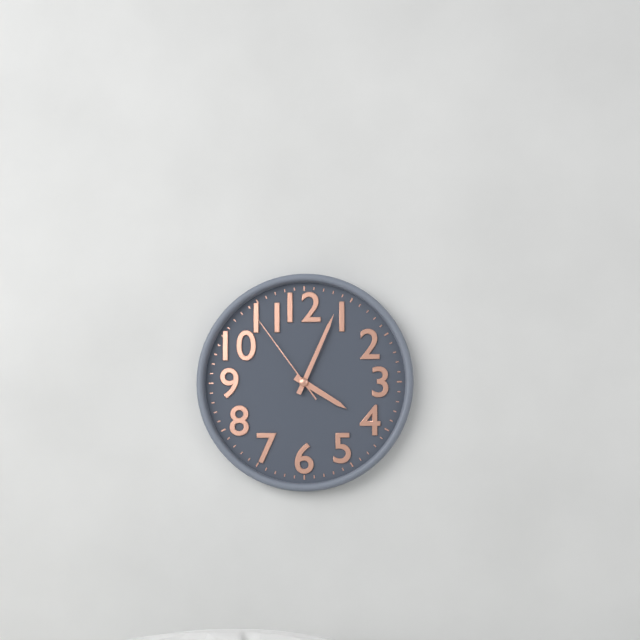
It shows 4:04:54
